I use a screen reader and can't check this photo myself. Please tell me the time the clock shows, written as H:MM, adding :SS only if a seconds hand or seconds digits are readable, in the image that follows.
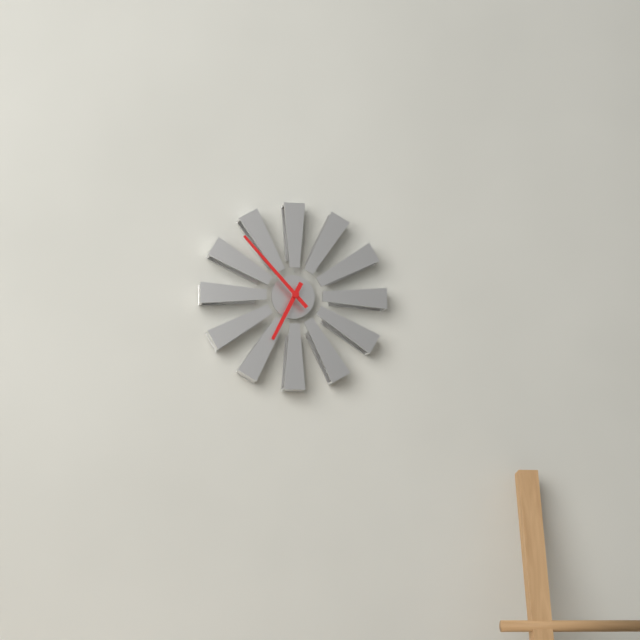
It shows 6:53
